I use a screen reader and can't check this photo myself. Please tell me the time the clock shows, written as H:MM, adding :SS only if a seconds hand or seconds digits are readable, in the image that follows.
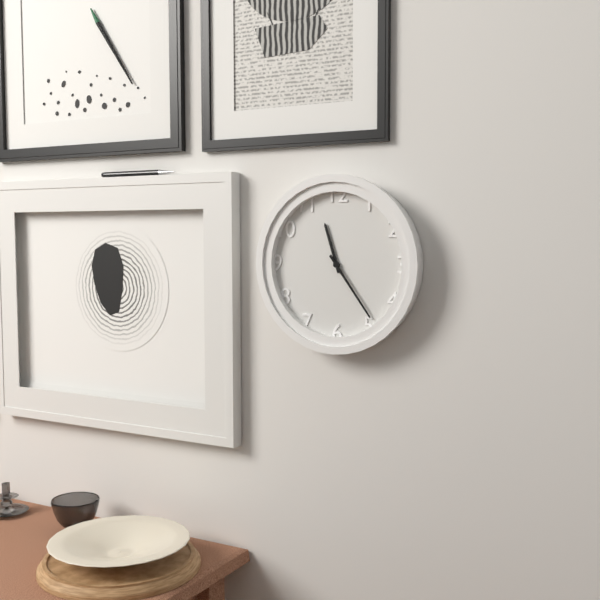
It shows 11:24
